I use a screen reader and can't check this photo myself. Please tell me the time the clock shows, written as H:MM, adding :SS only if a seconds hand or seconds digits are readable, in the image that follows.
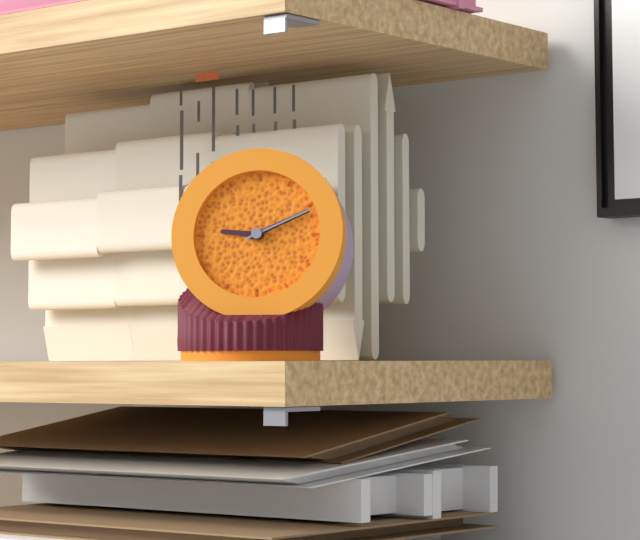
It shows 9:11:11
